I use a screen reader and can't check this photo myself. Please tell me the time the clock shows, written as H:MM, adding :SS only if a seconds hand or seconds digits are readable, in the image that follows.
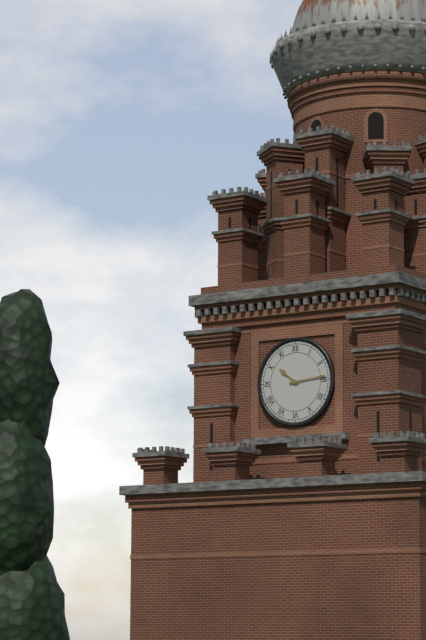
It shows 10:14
